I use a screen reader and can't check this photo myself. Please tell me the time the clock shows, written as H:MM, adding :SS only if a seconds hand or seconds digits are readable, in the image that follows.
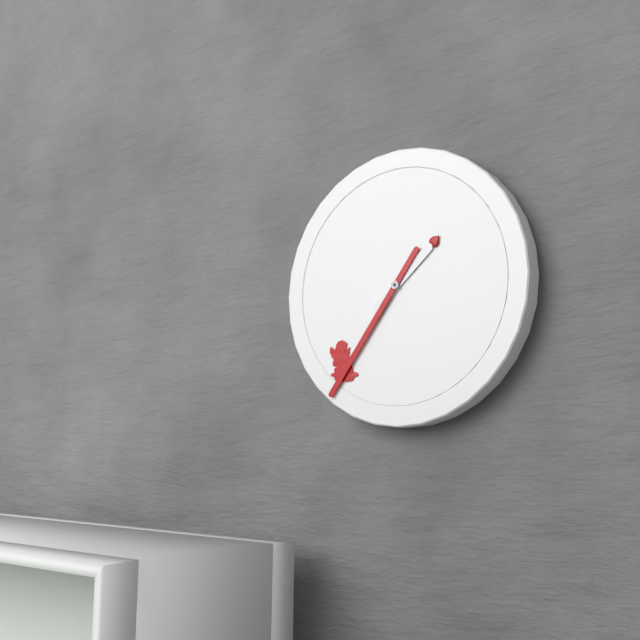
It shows 1:36
